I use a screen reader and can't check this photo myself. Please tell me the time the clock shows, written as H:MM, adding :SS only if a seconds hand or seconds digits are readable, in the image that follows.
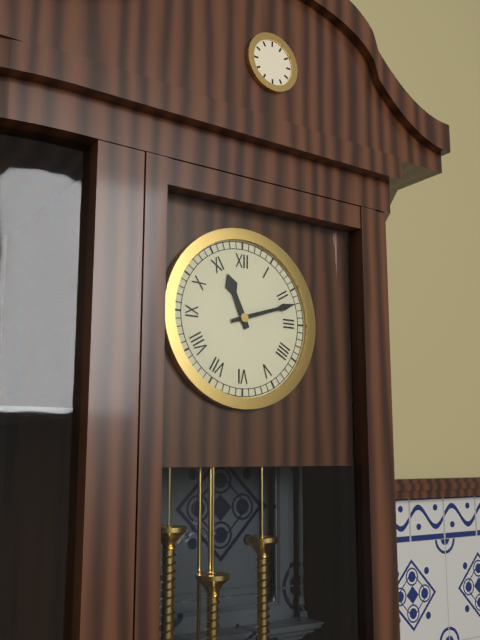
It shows 11:12
